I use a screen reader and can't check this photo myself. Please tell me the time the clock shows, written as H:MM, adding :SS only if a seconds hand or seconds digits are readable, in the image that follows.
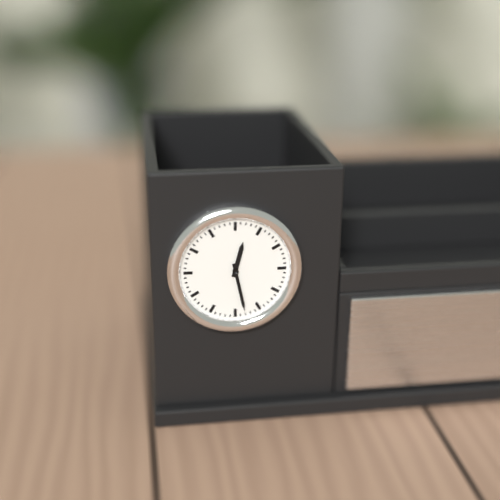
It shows 12:28
